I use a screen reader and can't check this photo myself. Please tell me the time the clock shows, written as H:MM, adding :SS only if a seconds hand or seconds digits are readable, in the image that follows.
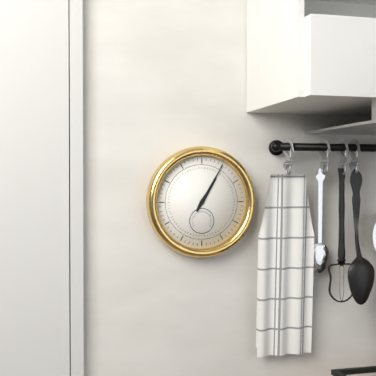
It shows 1:05
